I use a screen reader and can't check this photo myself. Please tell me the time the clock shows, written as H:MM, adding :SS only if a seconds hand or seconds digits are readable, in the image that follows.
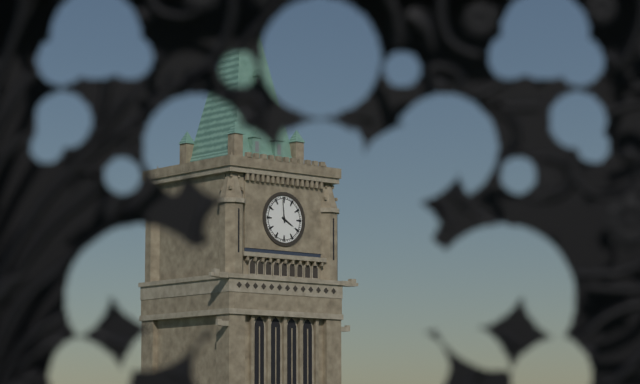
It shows 3:59
